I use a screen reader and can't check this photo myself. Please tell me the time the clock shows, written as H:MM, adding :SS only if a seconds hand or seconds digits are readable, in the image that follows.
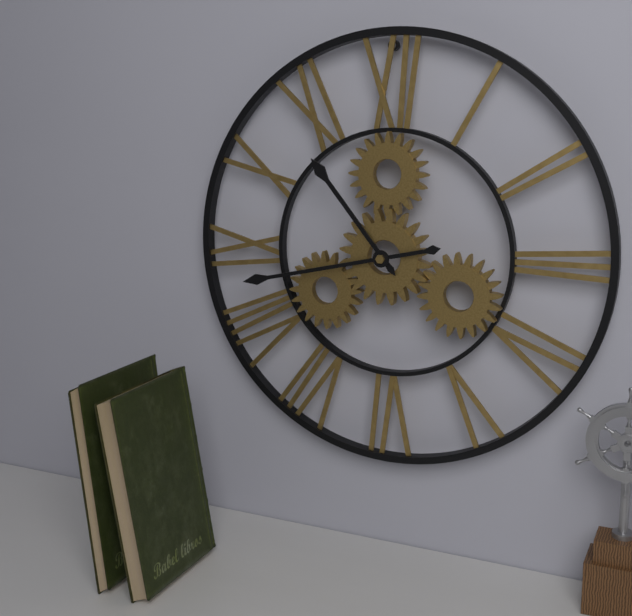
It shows 10:43
